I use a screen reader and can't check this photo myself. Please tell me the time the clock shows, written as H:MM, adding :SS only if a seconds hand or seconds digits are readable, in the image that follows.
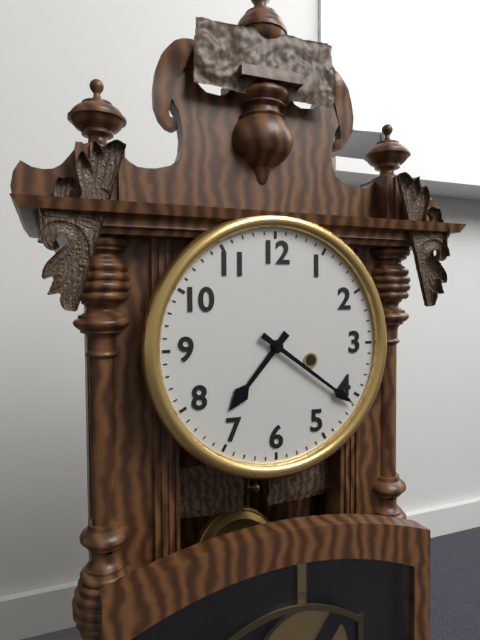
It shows 7:21
